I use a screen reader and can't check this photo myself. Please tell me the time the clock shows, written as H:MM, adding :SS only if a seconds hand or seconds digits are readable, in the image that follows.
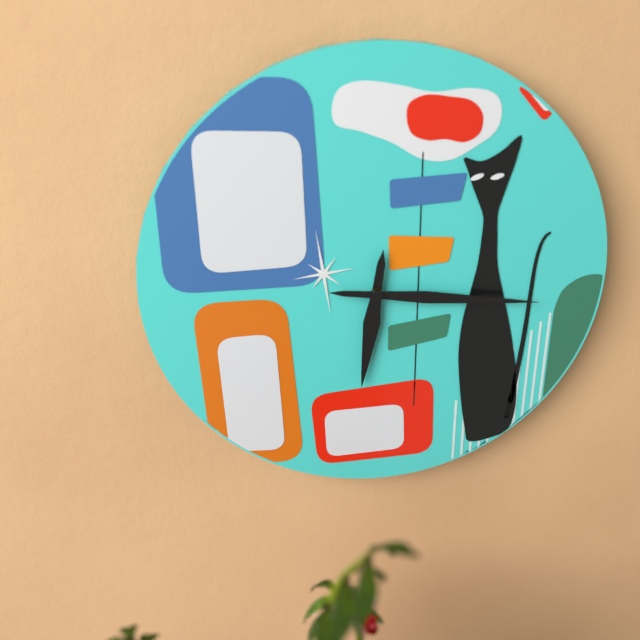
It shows 6:16
